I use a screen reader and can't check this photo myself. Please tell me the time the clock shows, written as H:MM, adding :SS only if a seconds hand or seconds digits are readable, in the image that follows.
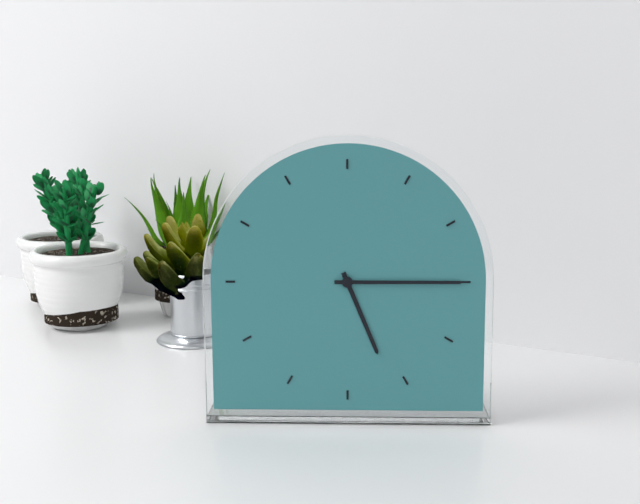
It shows 5:15
